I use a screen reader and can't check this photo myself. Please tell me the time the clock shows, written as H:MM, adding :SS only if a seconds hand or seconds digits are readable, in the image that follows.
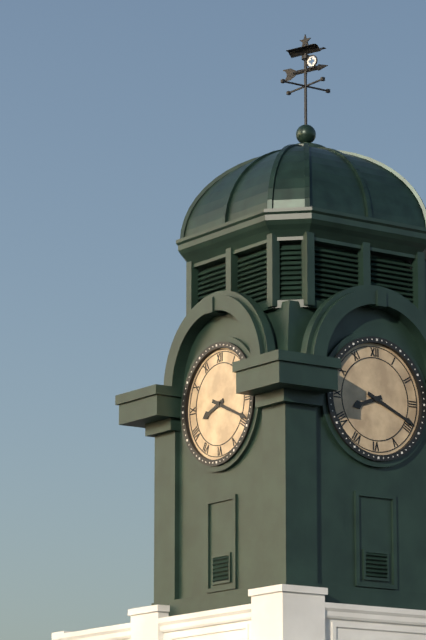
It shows 8:19
